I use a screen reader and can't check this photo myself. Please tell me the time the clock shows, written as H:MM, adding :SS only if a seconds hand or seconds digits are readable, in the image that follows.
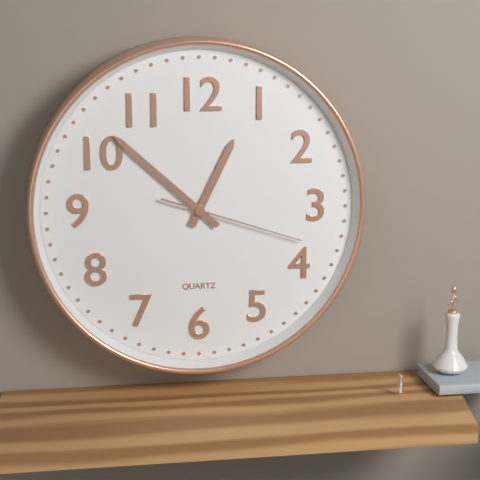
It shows 12:52:18
